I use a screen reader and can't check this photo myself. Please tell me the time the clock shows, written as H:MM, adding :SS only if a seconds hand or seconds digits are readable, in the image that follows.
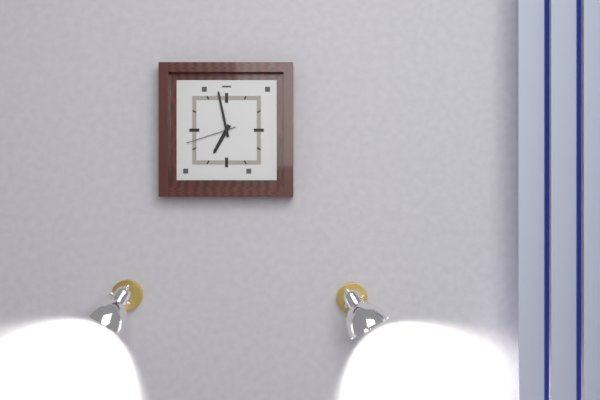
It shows 6:58:42
